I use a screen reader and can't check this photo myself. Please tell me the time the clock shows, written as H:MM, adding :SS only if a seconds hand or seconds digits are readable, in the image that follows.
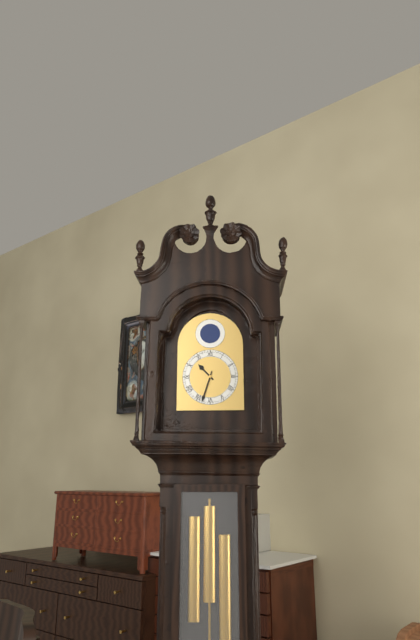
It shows 10:33
